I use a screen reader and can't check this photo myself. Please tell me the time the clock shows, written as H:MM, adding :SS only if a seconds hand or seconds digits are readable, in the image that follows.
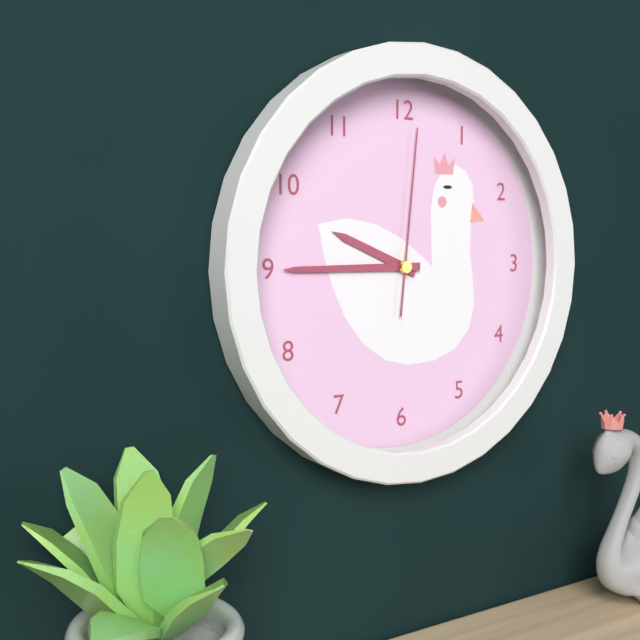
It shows 9:45:01
